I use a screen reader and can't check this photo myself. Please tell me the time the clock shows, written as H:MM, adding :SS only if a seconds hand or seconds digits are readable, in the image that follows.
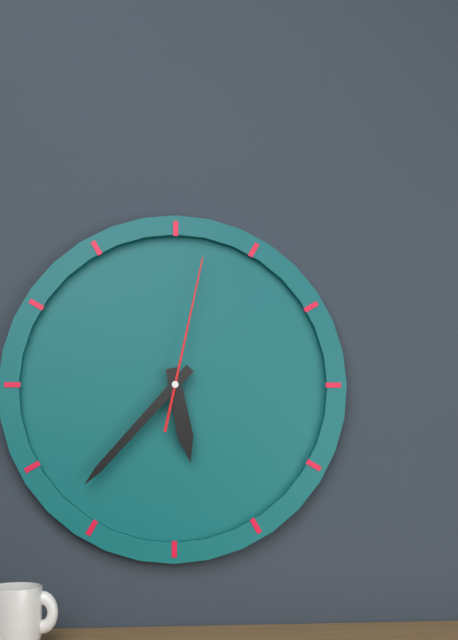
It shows 5:37:02
